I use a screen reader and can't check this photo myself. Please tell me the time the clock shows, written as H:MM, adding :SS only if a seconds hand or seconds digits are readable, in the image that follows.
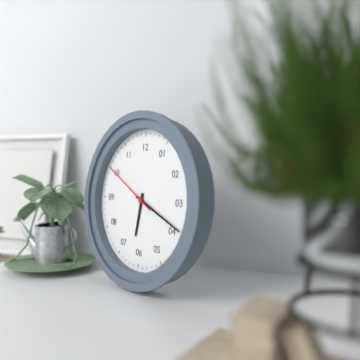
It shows 6:19:50
